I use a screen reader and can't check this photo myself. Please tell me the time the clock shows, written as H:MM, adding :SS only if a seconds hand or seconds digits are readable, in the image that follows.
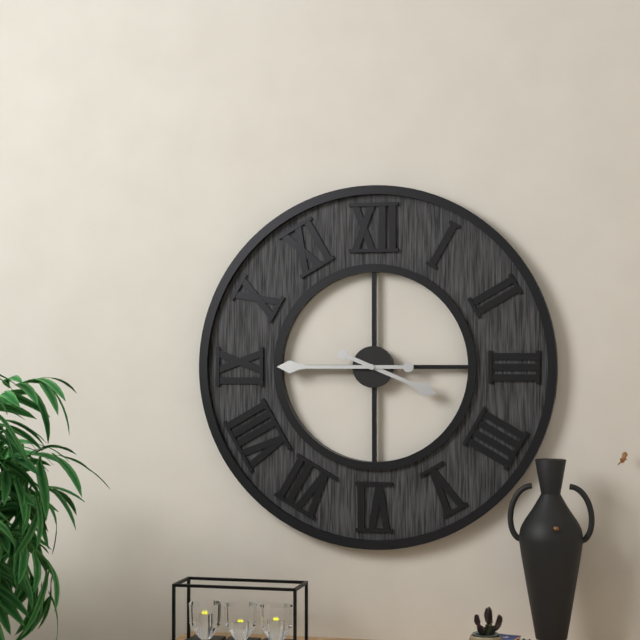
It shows 3:45
